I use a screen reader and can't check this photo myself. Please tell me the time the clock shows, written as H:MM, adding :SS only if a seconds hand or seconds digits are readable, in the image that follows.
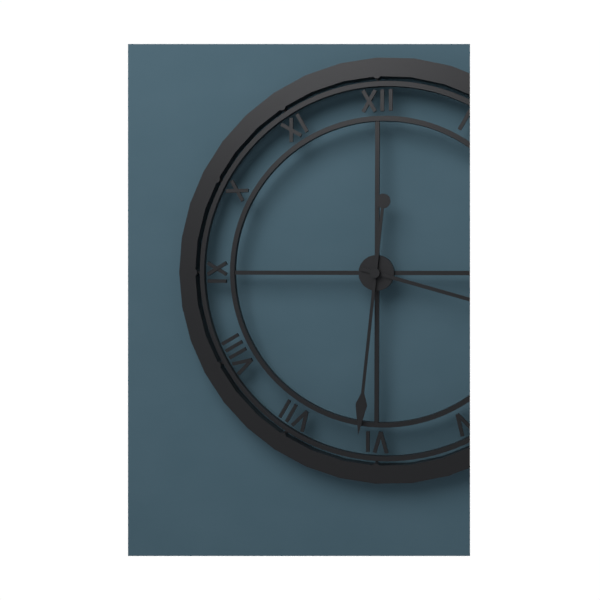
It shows 3:31
